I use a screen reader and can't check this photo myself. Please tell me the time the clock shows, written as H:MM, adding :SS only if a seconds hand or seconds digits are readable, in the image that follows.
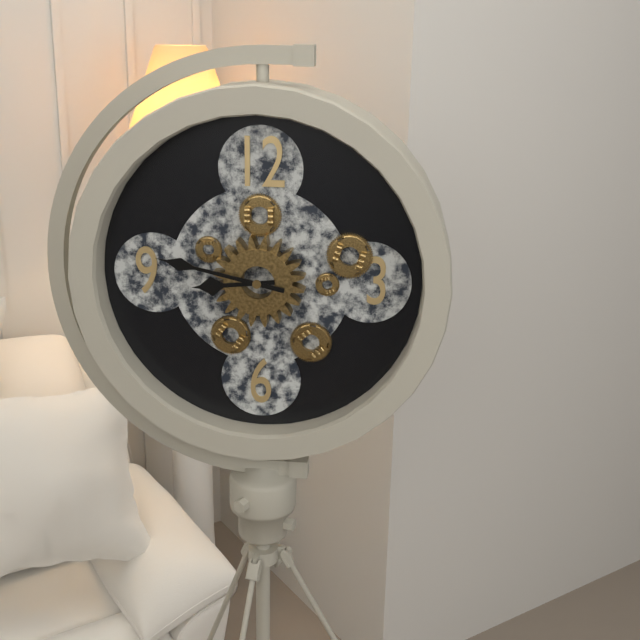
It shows 8:47
